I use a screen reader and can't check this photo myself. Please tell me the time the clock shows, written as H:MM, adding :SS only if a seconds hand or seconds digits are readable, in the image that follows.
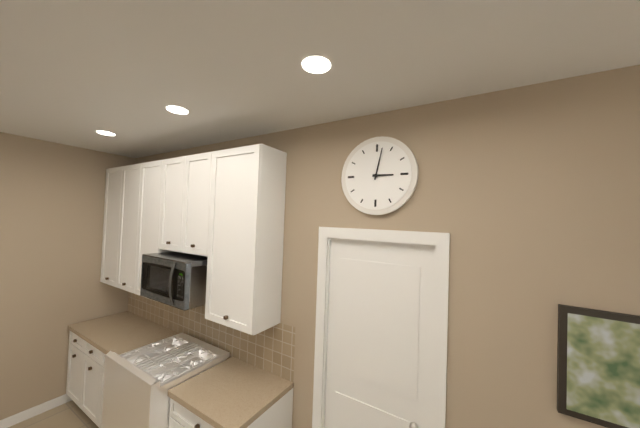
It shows 3:02
